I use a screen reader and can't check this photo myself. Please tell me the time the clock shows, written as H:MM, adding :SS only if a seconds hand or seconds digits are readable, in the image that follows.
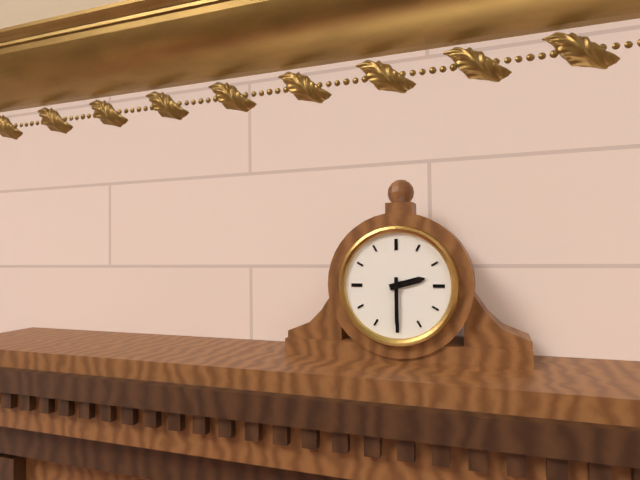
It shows 2:30
